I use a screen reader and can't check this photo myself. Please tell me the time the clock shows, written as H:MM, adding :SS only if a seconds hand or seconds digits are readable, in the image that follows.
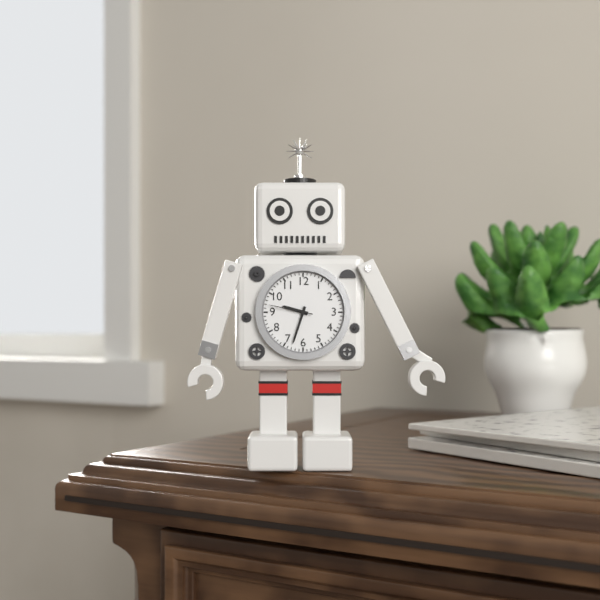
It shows 9:33
